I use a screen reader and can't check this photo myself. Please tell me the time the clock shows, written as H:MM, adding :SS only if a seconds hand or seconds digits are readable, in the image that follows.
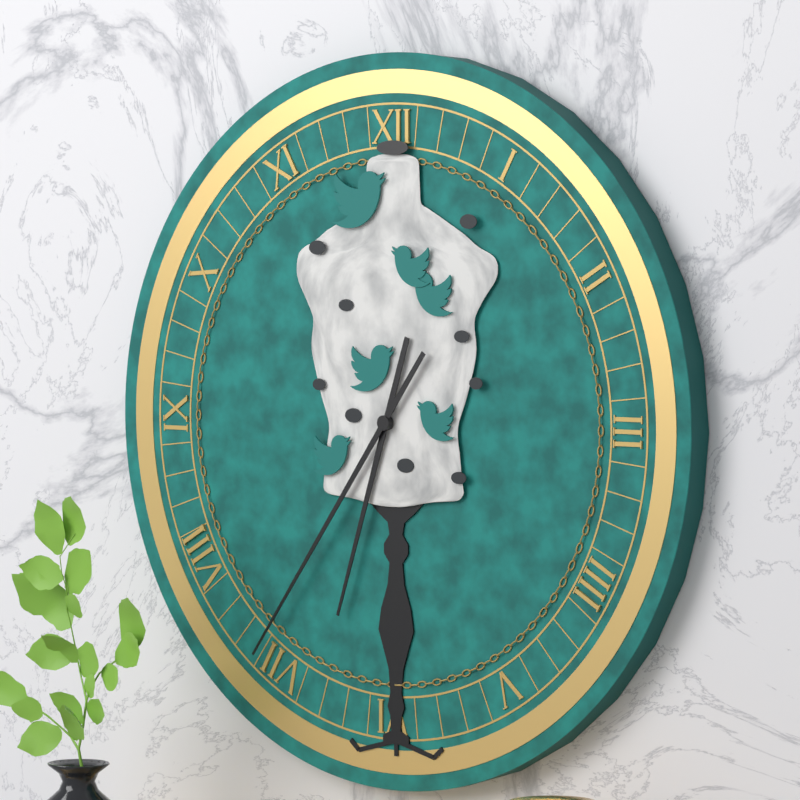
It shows 6:36
